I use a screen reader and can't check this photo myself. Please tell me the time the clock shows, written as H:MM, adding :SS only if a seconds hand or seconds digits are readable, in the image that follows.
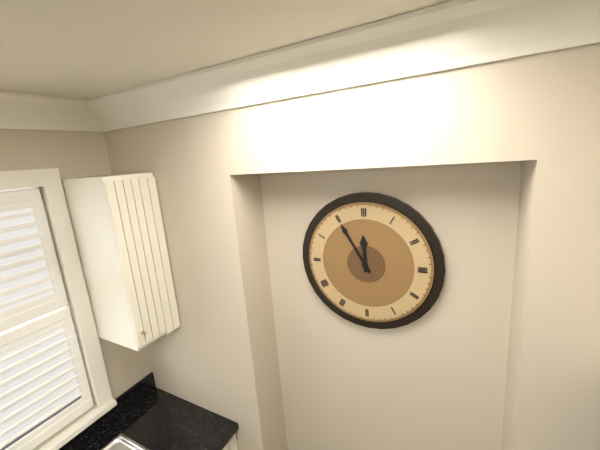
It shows 11:55
